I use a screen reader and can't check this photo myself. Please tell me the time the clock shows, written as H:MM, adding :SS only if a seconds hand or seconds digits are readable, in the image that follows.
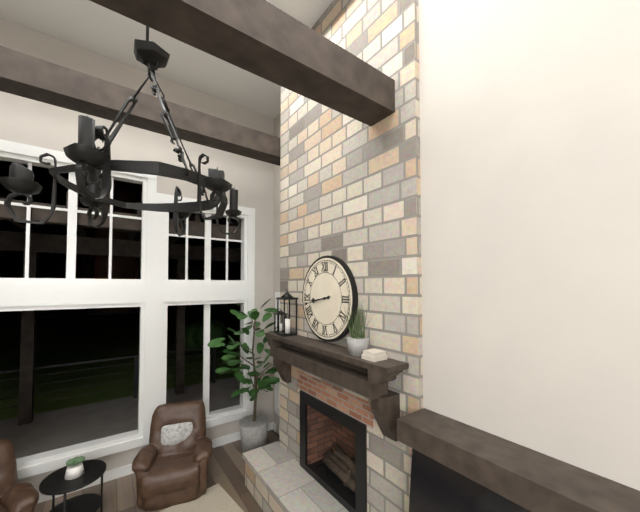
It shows 8:43
